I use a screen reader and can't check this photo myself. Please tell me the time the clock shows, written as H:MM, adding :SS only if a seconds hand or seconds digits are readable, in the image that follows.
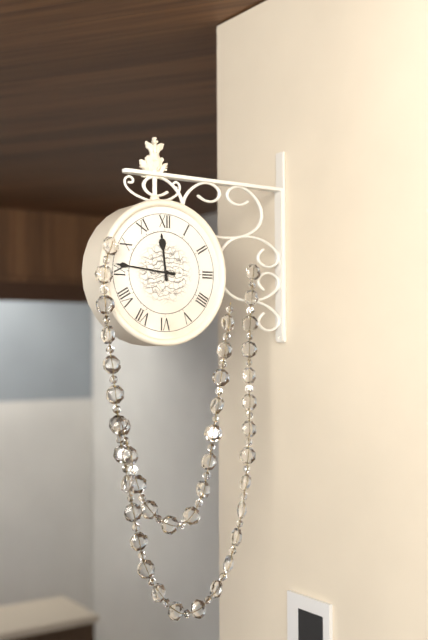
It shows 11:46
